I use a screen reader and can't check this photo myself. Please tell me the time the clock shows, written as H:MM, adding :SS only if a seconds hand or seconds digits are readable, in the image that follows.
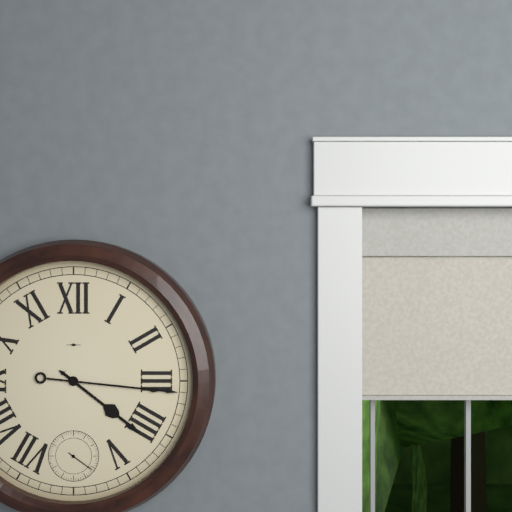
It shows 4:16
